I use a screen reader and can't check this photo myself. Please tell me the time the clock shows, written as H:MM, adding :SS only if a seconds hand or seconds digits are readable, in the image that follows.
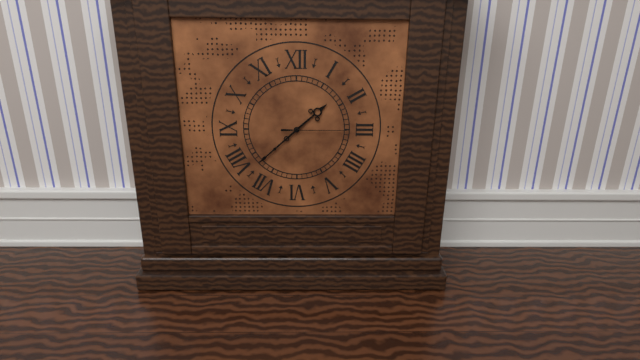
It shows 1:38:15
